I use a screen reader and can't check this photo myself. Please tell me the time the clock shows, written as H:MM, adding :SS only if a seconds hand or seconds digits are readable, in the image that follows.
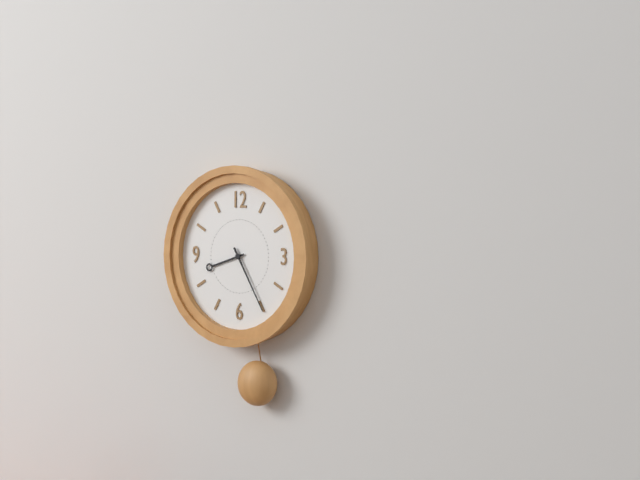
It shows 8:25
